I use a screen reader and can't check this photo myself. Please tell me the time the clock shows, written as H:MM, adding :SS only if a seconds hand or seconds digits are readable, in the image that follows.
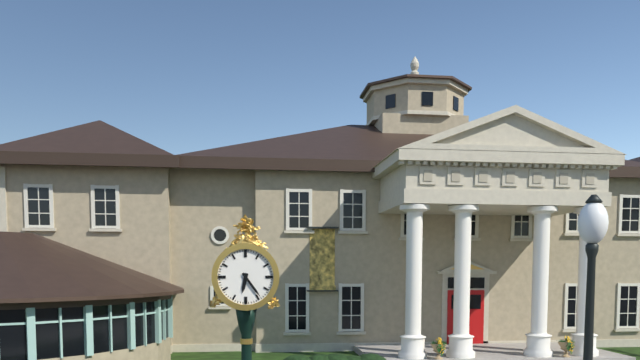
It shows 6:24
